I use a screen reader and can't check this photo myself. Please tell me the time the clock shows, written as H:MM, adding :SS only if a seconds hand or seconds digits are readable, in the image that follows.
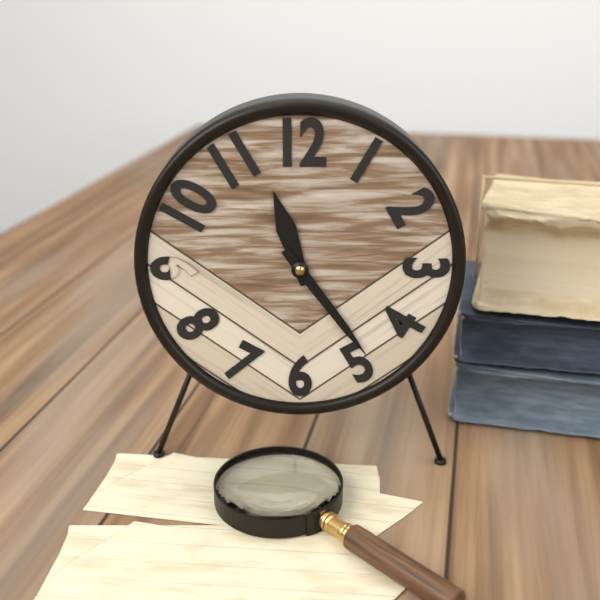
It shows 11:24
